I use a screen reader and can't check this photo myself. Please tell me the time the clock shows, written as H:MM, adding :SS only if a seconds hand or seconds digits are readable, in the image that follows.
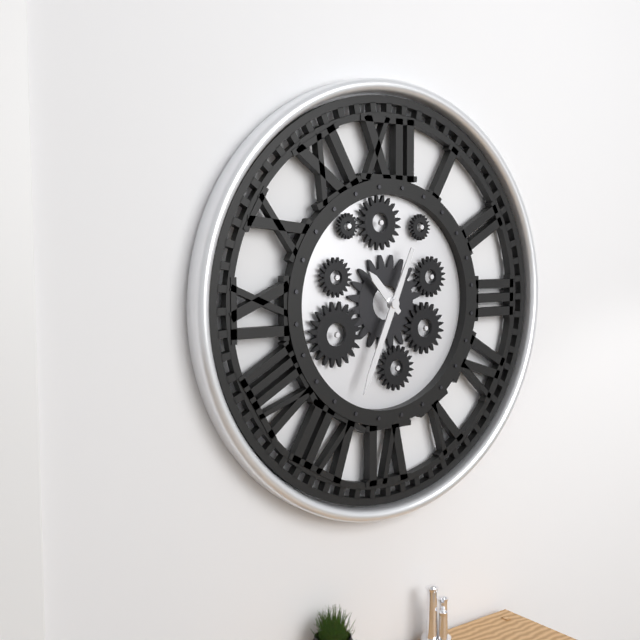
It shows 10:34
